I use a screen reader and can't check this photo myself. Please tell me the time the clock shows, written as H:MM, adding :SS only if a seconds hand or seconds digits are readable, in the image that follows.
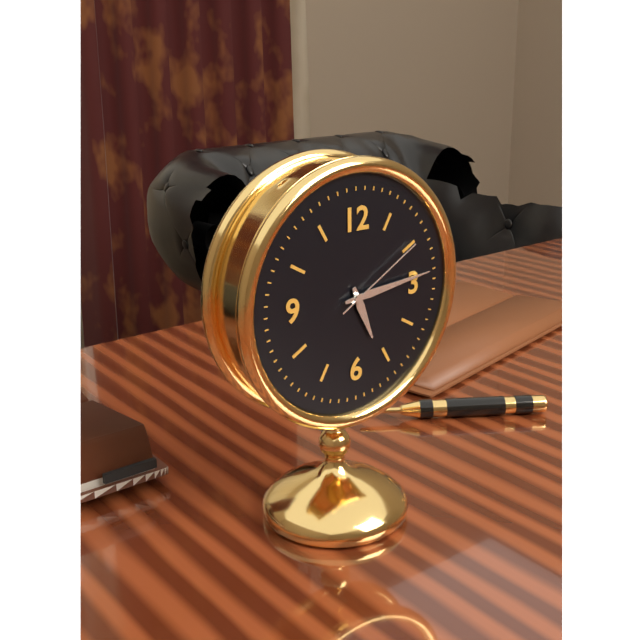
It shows 5:14:10
